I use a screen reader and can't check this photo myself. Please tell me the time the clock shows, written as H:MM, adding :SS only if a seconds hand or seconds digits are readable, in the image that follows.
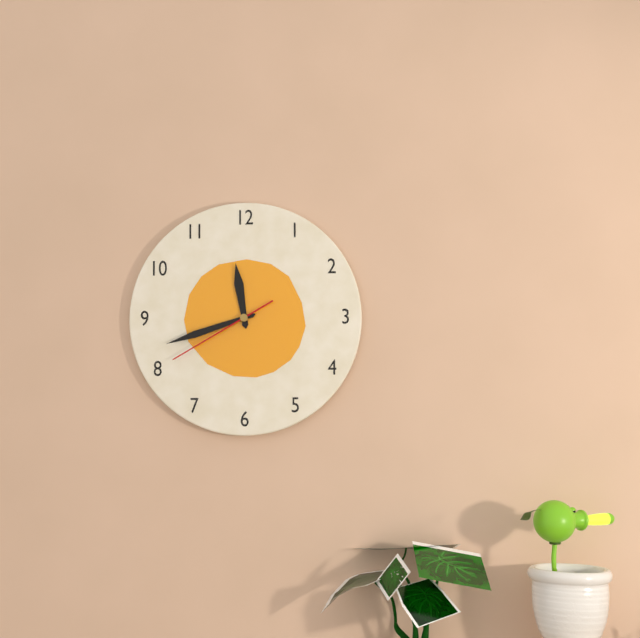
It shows 11:42:40
